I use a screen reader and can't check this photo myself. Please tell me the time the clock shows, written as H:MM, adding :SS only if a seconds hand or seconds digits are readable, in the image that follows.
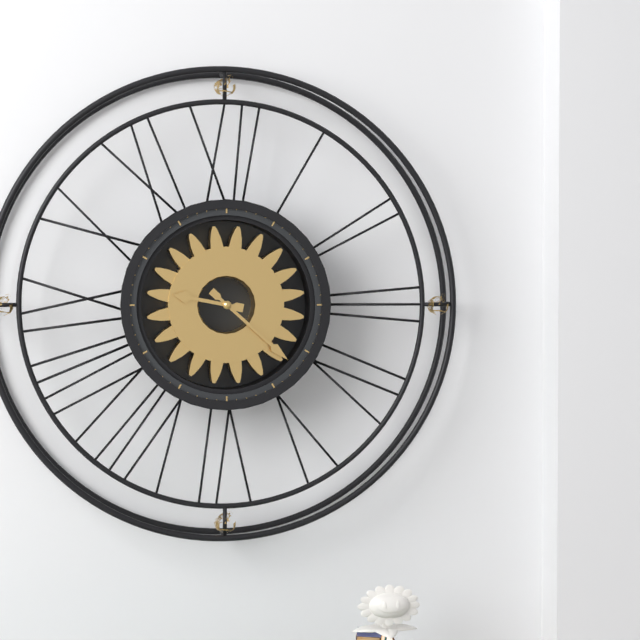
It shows 9:22
